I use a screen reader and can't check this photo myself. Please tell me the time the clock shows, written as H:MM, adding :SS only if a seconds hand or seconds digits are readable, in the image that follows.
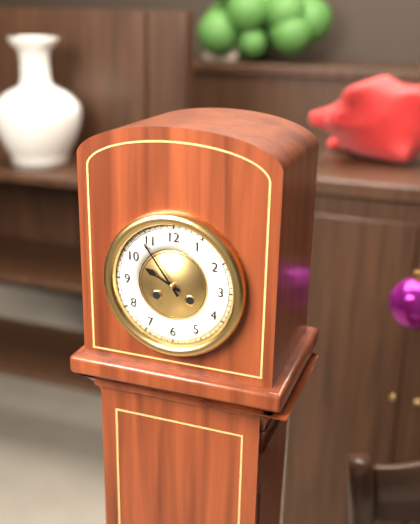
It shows 9:54
